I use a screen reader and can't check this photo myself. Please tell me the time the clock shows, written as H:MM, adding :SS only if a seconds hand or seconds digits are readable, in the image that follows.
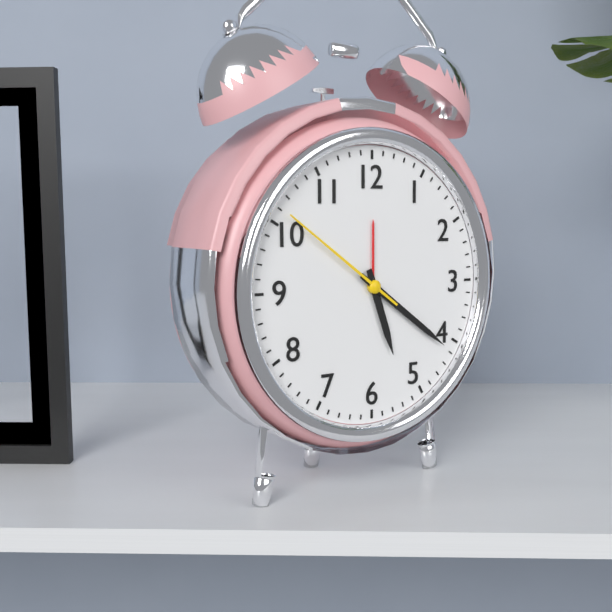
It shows 5:21:51
